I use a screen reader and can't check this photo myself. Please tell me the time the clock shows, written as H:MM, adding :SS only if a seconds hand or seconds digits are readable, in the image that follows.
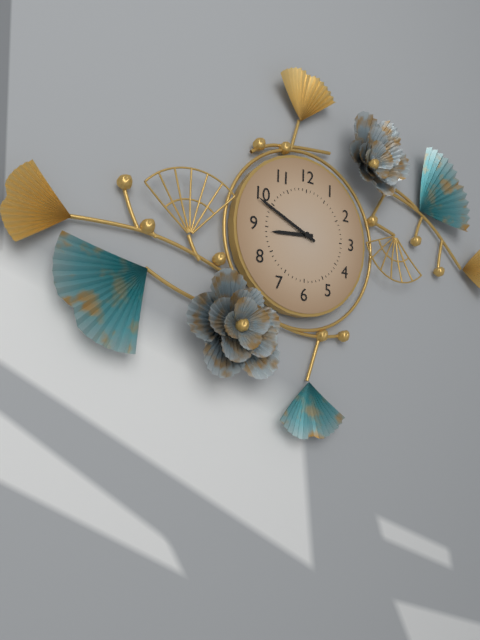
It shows 8:49
